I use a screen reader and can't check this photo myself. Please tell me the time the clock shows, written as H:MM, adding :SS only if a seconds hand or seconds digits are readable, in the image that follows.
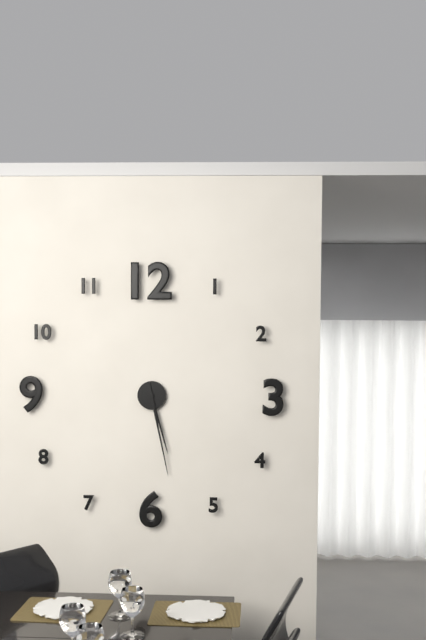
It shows 5:28
